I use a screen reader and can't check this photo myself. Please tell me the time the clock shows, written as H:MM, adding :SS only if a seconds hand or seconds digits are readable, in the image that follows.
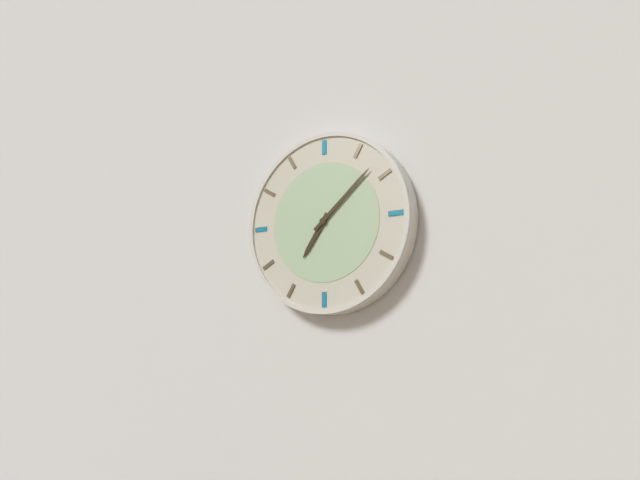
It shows 7:08
